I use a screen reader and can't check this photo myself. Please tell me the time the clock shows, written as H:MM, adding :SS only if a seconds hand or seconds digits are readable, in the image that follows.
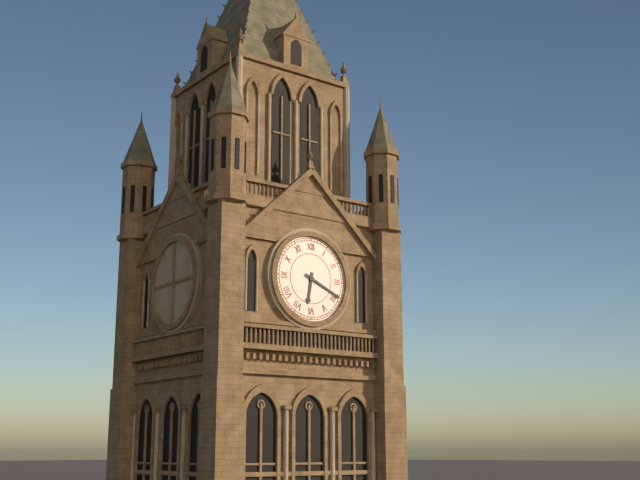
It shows 6:19
